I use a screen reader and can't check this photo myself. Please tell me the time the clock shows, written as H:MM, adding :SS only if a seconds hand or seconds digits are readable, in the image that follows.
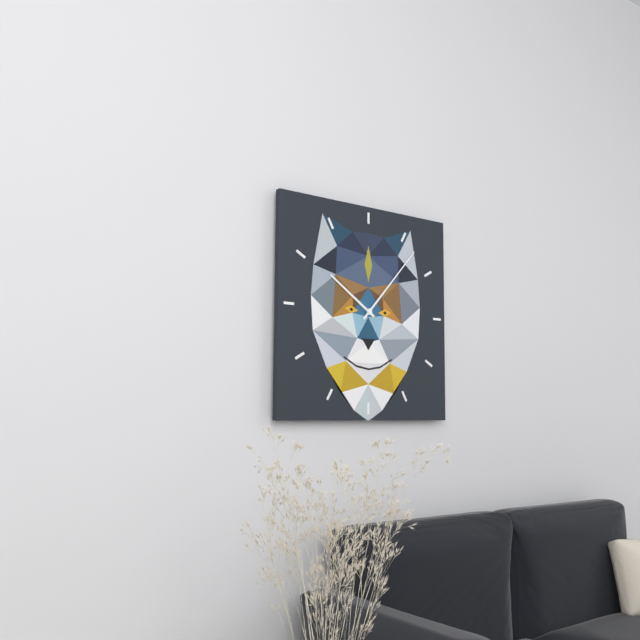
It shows 10:07
